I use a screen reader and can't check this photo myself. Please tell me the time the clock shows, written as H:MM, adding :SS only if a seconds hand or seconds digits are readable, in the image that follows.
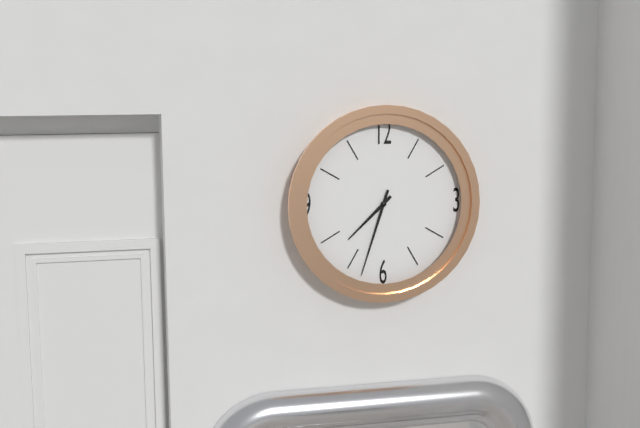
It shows 7:33
